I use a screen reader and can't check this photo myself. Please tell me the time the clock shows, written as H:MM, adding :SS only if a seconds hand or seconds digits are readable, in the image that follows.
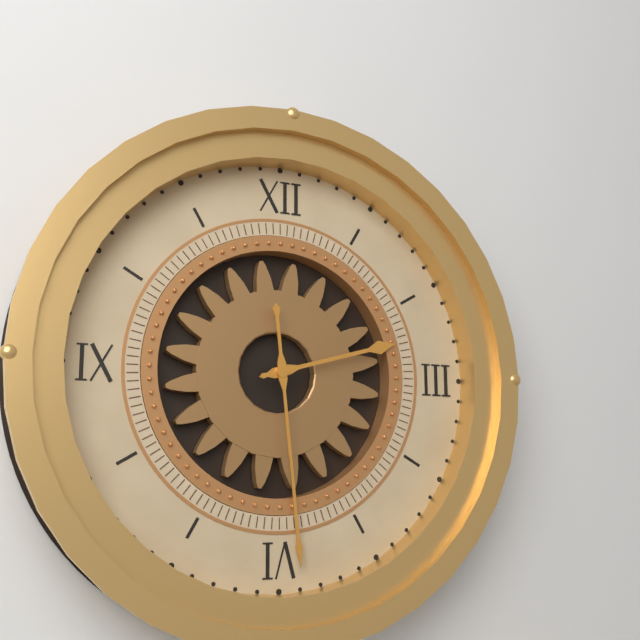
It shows 2:29
